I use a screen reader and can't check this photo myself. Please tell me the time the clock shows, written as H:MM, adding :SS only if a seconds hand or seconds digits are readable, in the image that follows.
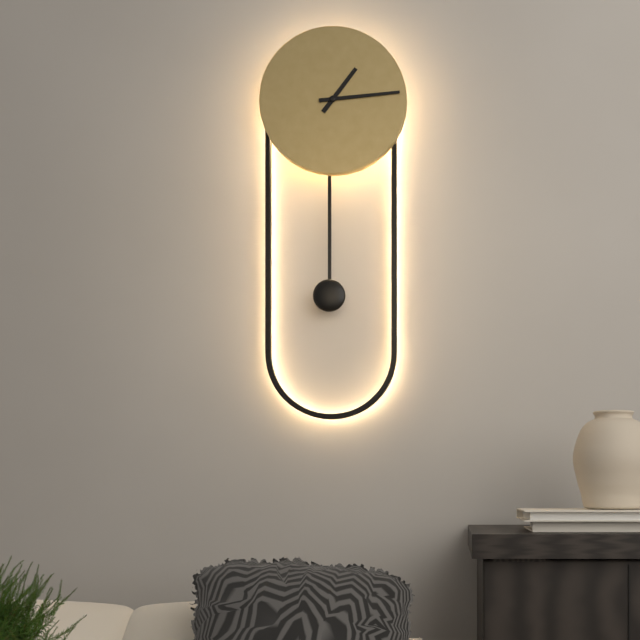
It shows 1:14
